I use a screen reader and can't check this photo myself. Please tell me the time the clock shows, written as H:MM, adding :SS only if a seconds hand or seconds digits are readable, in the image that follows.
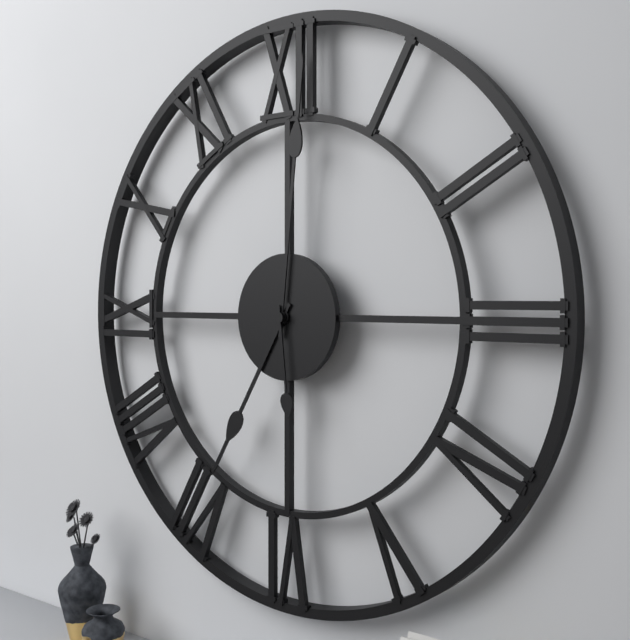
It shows 7:01:29
